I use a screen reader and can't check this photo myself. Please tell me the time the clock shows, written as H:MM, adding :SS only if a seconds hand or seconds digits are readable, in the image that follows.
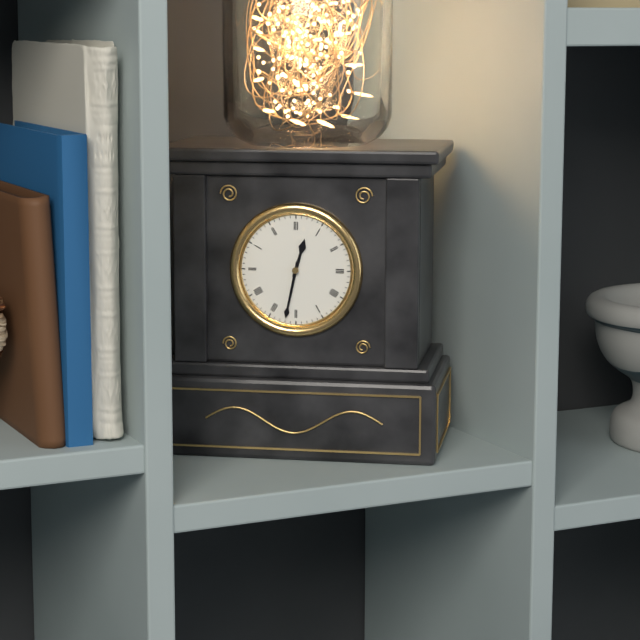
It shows 12:32
